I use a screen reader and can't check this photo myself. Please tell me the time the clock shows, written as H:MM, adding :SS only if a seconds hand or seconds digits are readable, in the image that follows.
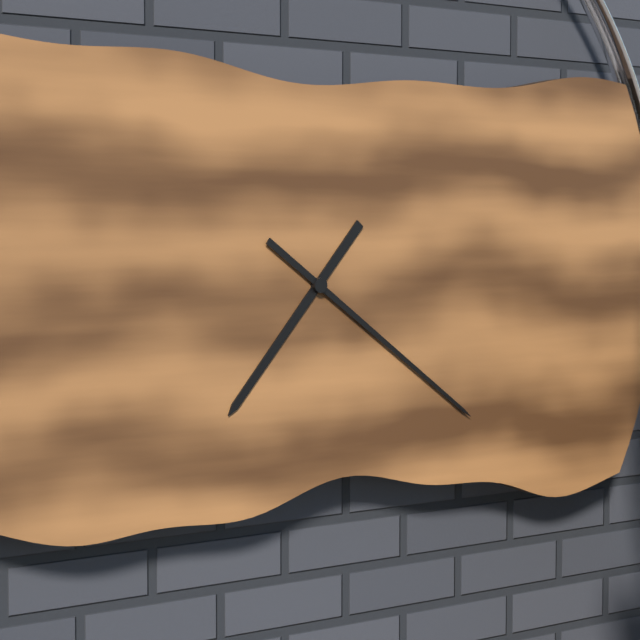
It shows 7:21
